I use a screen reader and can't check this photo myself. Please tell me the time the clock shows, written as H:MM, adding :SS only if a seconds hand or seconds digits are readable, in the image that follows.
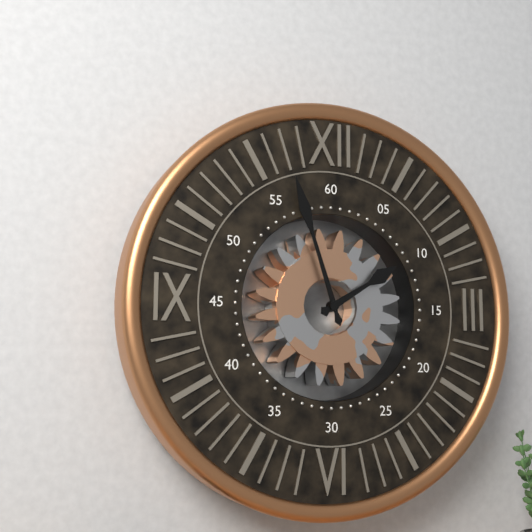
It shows 1:57
